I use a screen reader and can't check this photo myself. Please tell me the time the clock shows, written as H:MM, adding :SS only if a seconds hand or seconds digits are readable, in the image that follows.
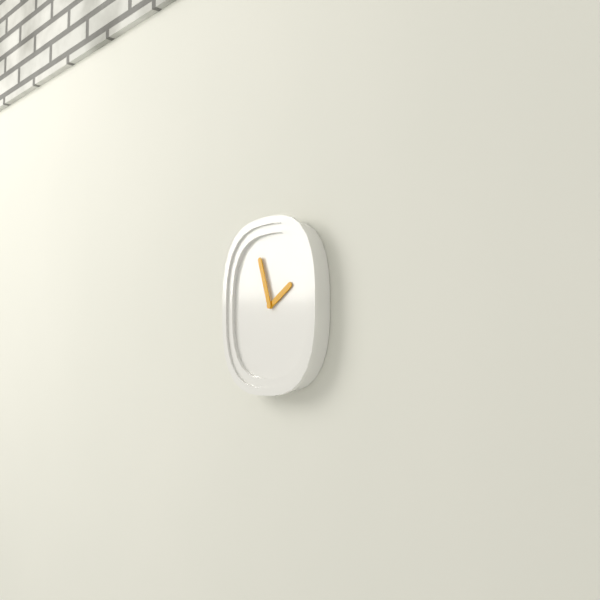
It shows 1:57
